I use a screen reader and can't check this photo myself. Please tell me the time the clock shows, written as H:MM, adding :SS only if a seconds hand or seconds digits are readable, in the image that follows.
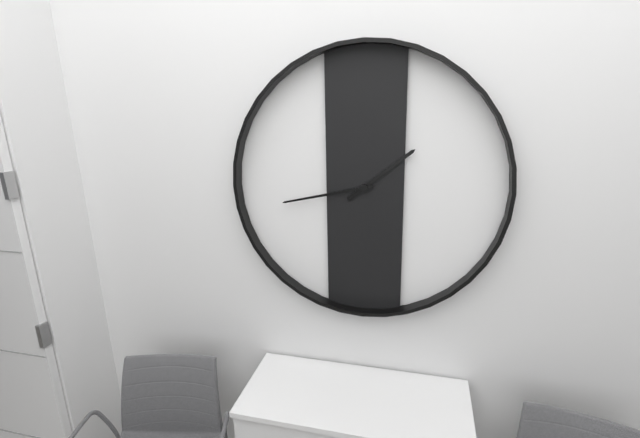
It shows 1:43
